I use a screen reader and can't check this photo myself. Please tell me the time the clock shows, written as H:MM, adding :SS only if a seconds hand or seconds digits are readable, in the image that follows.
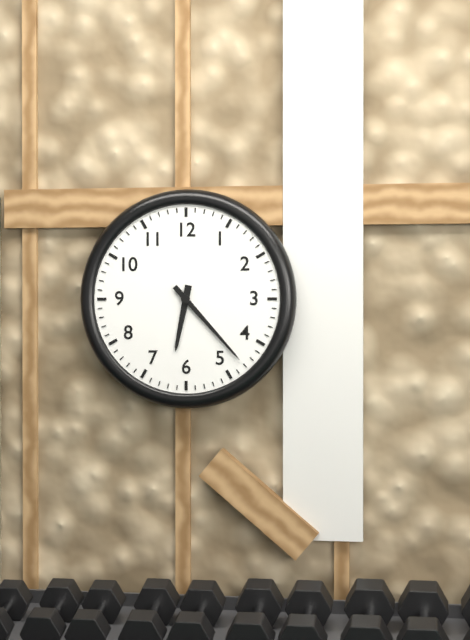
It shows 6:23
